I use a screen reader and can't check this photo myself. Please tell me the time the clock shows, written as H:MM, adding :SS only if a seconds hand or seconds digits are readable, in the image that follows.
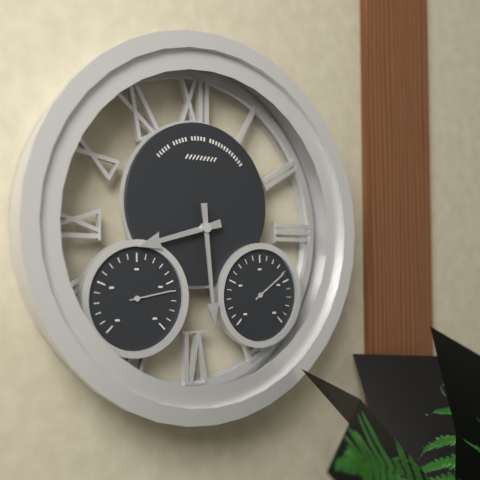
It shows 8:29
